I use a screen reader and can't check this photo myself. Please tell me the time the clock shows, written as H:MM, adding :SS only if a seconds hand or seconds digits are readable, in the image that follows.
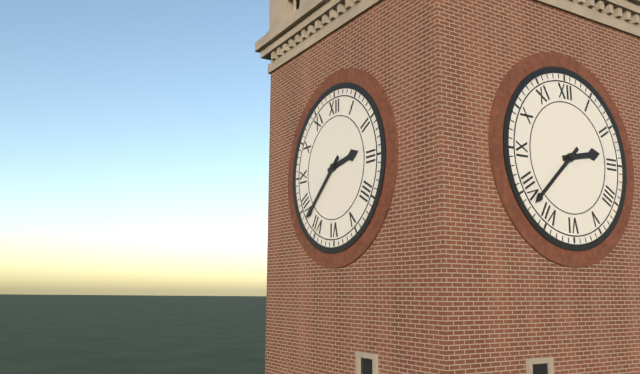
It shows 2:38
